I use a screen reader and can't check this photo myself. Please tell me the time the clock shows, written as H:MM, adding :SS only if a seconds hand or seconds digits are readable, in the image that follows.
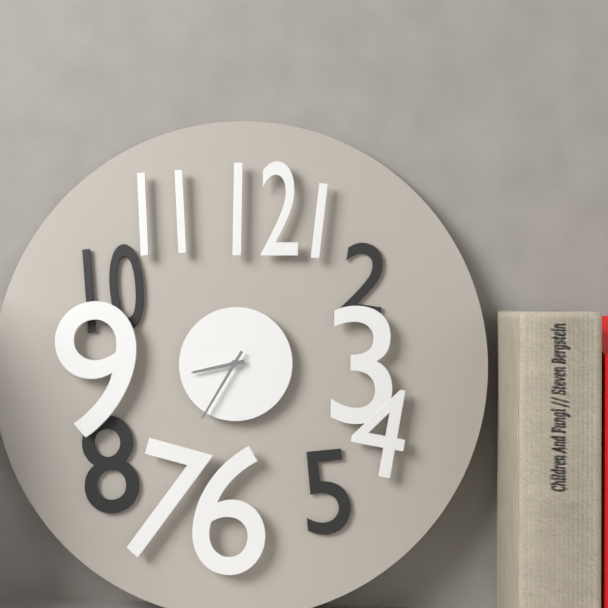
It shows 8:35
